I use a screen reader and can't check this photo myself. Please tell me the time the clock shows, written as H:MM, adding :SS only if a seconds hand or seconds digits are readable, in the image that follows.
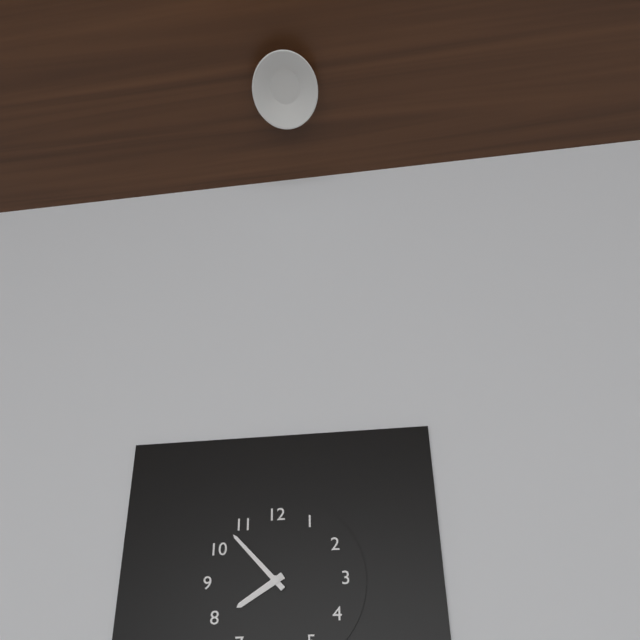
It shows 7:53
